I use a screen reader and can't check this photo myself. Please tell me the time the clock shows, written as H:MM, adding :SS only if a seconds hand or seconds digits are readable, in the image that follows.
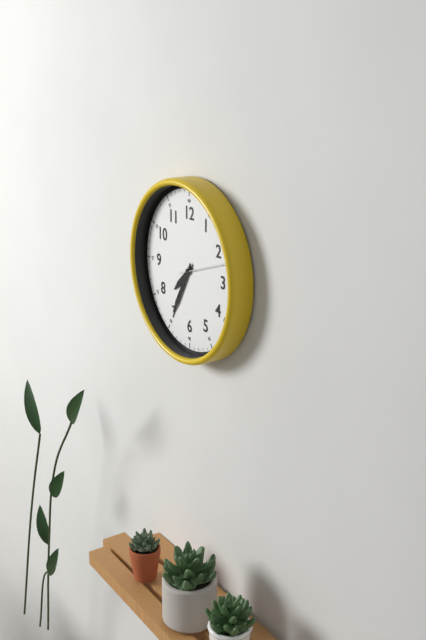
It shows 7:35
